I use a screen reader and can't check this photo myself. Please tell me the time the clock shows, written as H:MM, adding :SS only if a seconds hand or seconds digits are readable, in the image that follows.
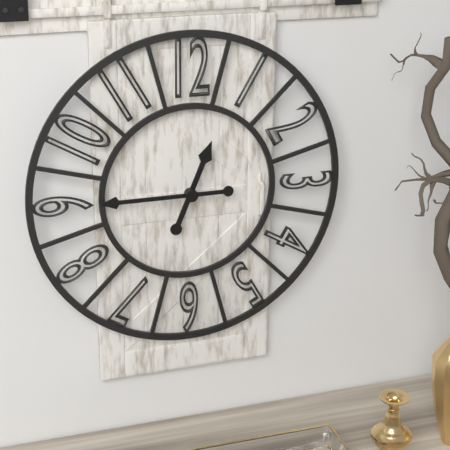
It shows 12:45
